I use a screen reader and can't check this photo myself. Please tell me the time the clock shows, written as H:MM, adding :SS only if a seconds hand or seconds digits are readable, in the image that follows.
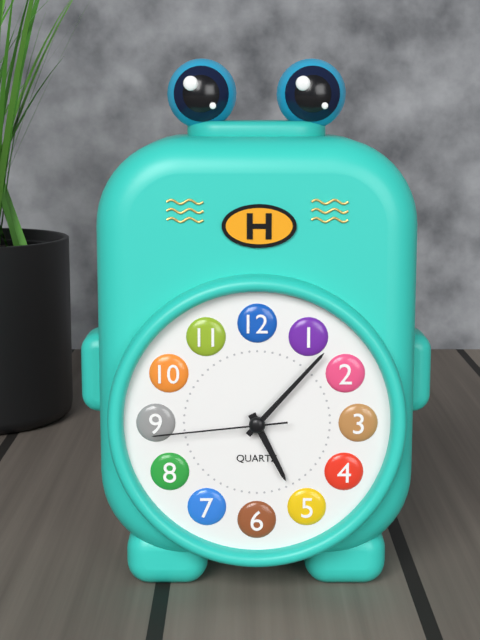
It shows 5:07:44
